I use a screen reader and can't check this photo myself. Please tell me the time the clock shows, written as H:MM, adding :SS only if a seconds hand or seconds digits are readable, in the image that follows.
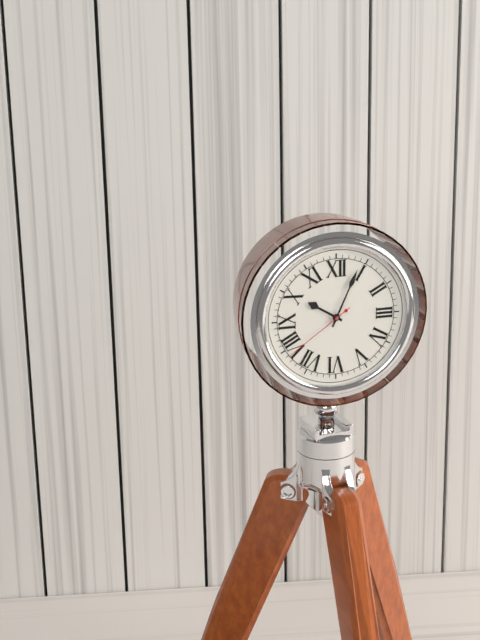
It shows 10:04:39
